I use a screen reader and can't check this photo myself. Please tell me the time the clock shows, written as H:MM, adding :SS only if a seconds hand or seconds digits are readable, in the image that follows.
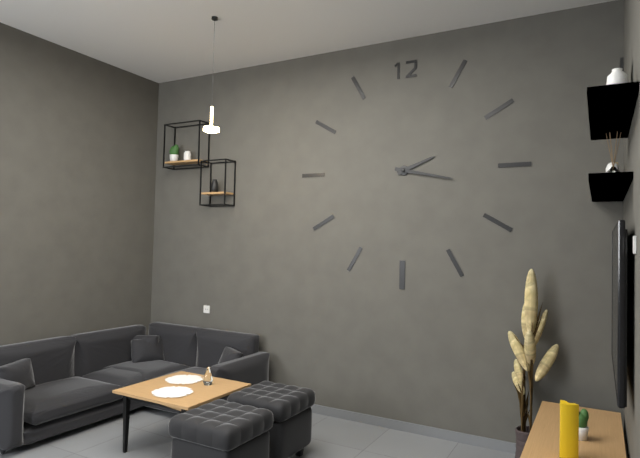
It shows 2:17
